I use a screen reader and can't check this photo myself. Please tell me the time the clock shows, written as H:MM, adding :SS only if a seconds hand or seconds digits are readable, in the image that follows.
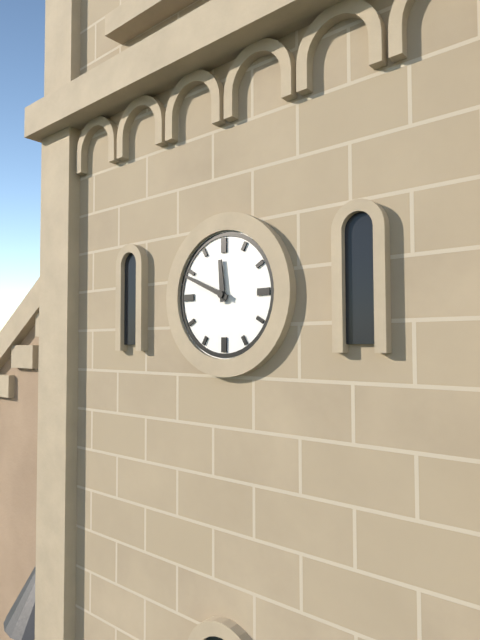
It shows 11:49
